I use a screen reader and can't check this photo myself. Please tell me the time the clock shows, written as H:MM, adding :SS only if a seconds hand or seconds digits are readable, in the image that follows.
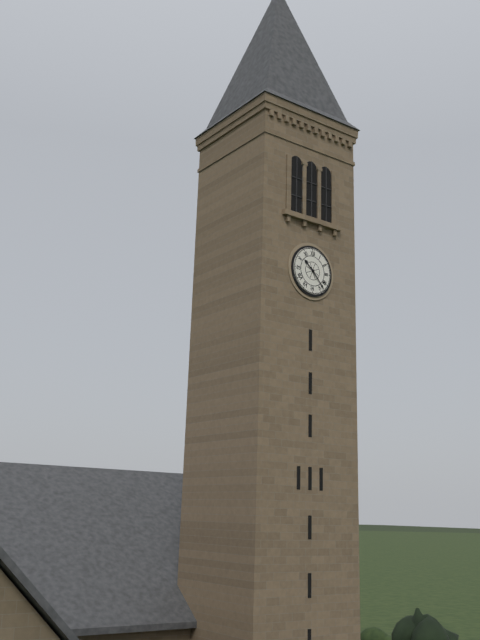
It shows 10:23
